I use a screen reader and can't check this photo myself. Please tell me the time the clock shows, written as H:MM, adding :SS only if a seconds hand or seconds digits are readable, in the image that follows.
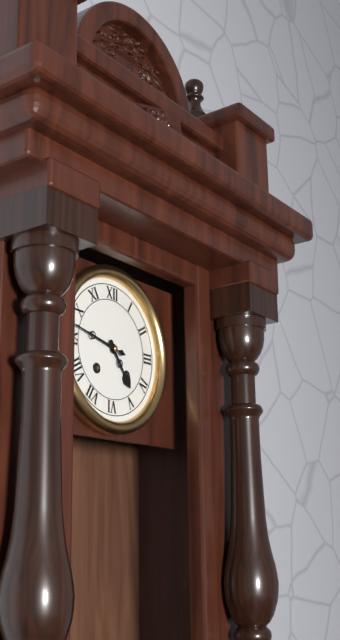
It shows 4:47
